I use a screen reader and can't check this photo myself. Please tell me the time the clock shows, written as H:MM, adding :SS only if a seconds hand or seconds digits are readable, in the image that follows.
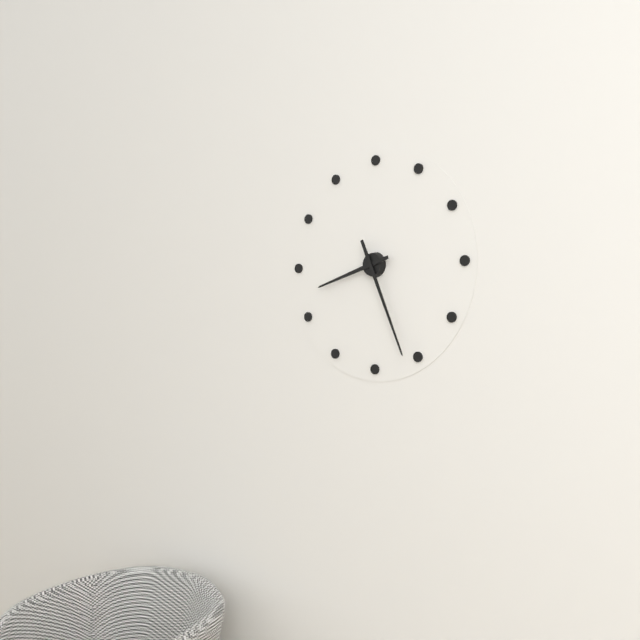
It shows 8:26
